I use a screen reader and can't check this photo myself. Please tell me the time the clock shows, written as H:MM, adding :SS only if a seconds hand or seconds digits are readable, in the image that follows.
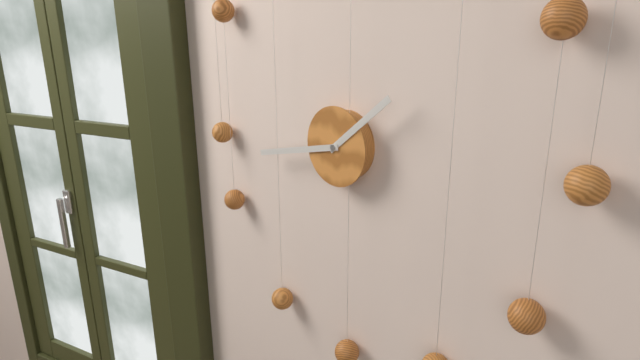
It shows 1:43
